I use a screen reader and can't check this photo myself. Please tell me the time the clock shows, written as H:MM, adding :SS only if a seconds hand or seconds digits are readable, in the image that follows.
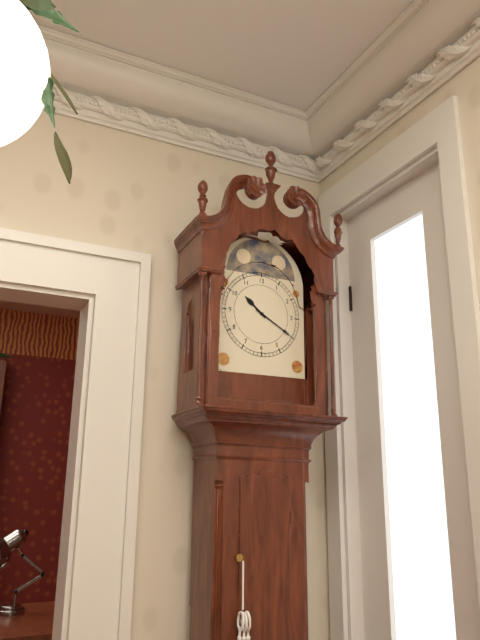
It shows 10:20
